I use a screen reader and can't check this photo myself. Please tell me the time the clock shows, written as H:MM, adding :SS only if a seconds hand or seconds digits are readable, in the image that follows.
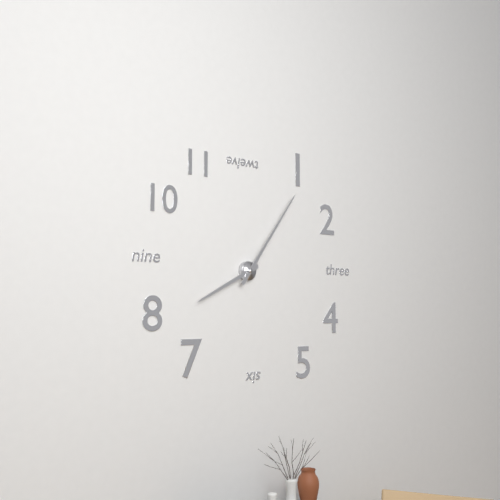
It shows 8:06
